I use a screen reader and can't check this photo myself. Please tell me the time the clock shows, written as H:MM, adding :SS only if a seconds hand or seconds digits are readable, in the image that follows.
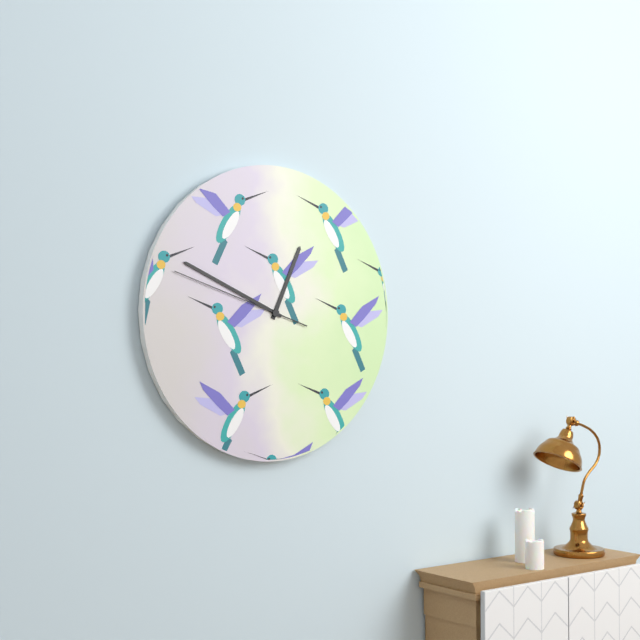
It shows 12:49:48
